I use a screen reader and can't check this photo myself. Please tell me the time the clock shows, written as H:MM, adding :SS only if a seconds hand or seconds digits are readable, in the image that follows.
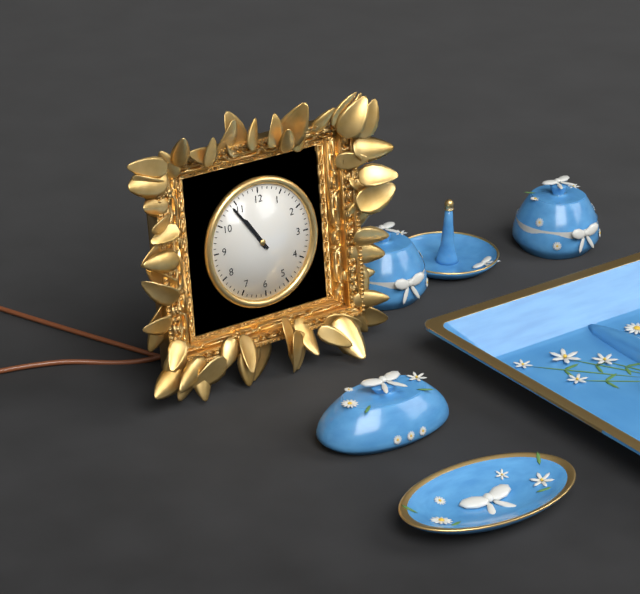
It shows 10:54
